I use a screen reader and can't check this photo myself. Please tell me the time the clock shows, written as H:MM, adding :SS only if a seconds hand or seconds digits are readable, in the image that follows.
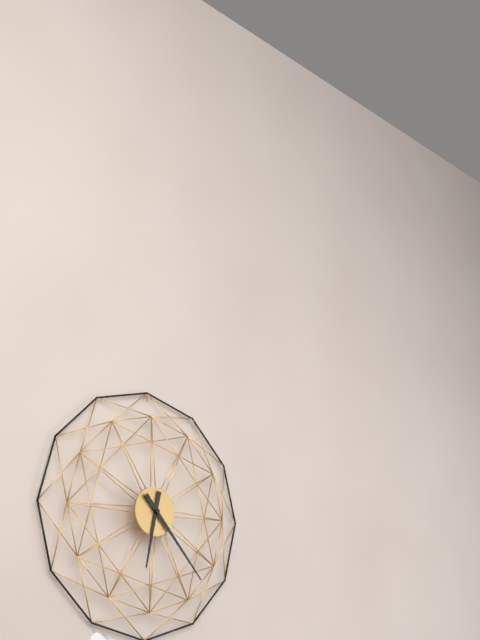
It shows 6:23
